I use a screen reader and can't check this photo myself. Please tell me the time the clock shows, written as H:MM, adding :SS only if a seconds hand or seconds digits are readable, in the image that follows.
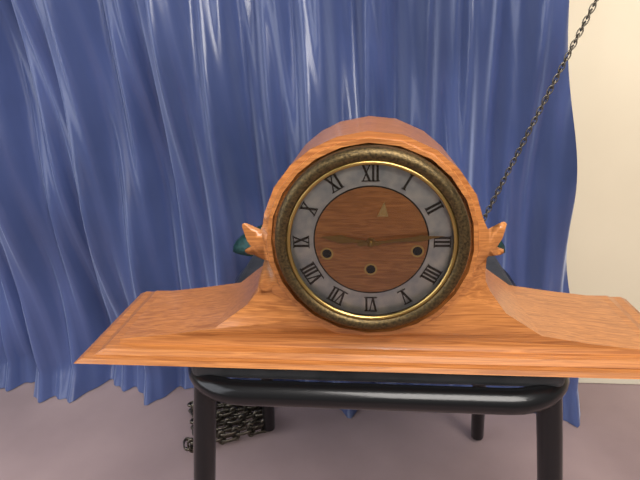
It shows 9:14
